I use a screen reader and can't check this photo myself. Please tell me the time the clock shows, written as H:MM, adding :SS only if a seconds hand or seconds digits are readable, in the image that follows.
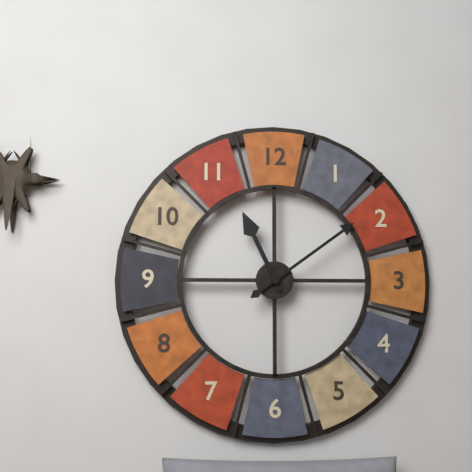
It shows 11:09
